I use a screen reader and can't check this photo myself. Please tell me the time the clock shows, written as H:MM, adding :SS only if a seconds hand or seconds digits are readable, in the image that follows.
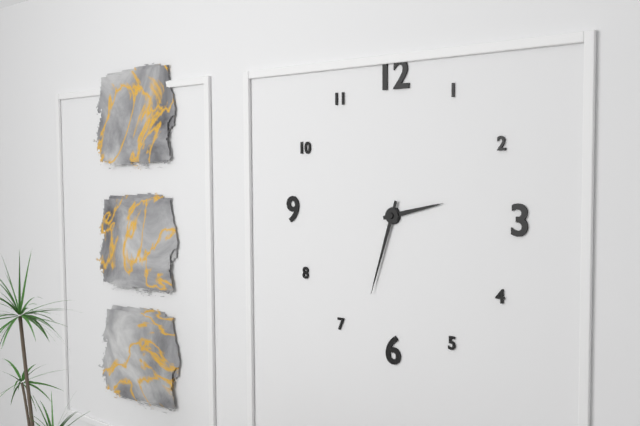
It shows 2:33
